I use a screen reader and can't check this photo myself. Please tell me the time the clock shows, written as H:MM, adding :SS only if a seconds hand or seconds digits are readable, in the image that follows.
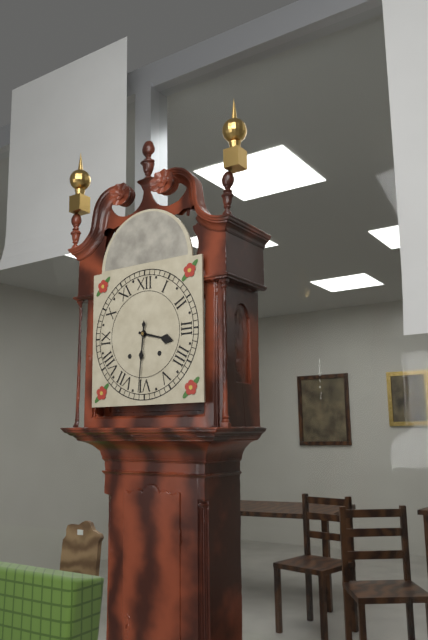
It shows 3:31
